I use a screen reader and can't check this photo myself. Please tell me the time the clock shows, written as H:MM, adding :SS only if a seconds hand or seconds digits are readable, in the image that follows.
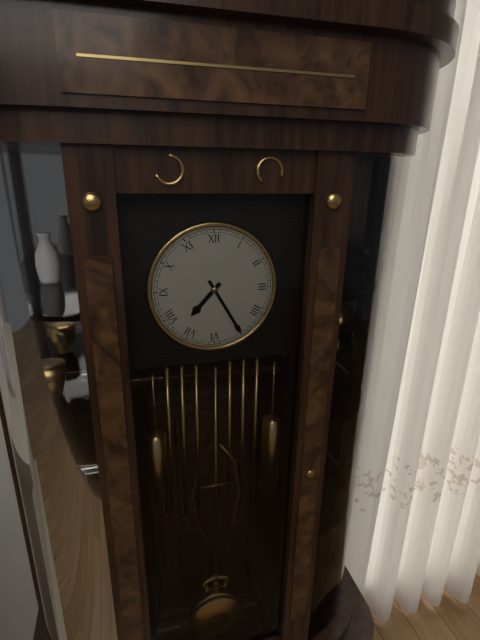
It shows 7:25
